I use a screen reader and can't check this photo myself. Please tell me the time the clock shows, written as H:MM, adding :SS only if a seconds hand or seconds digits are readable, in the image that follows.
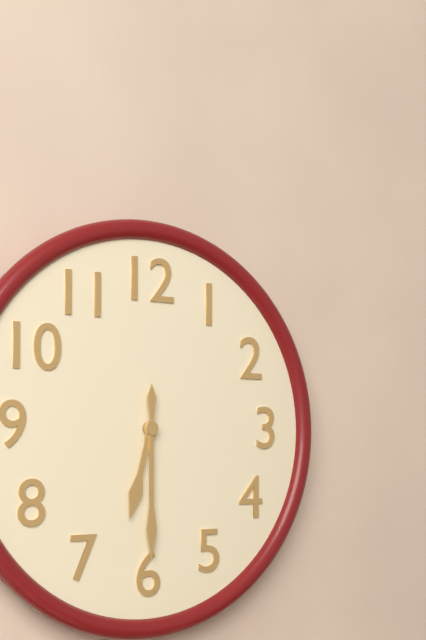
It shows 6:30
